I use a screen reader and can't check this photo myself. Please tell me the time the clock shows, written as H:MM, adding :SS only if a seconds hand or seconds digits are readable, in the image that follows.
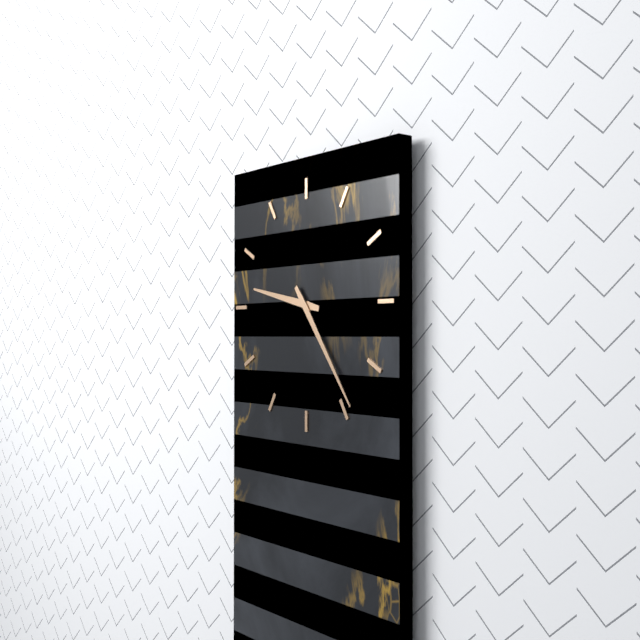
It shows 9:24
